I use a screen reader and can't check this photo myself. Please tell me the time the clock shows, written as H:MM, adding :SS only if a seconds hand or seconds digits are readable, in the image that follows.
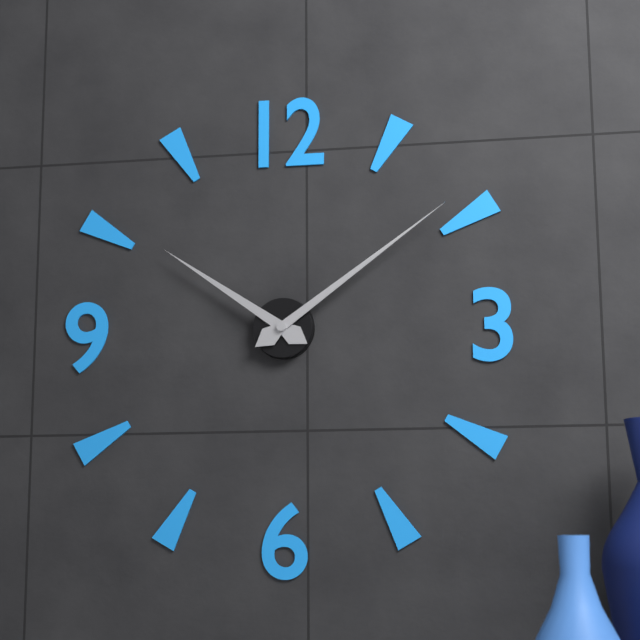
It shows 10:09
